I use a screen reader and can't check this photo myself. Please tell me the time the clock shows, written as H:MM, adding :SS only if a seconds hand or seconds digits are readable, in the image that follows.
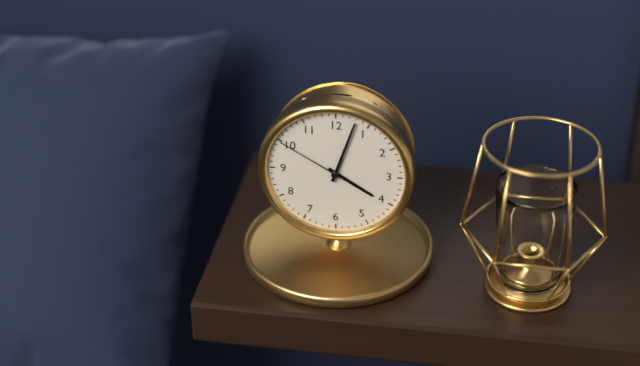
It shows 4:03:50
